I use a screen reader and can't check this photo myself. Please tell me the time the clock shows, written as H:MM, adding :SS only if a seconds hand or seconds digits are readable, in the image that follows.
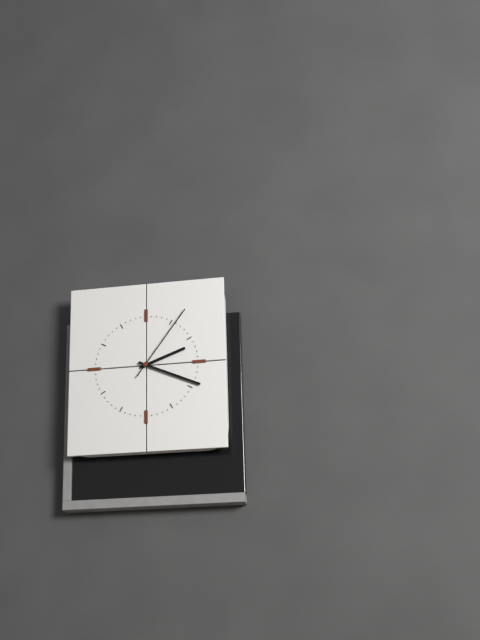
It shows 2:19:06
